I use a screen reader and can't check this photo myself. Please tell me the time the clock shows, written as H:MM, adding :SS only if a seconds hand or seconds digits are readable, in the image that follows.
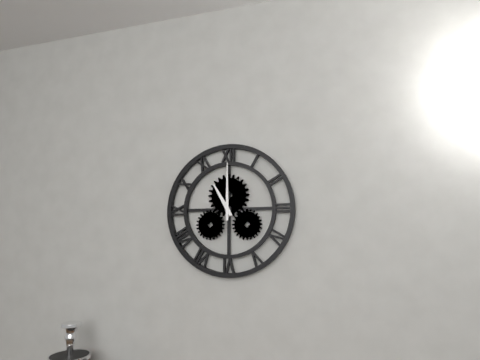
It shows 11:00
